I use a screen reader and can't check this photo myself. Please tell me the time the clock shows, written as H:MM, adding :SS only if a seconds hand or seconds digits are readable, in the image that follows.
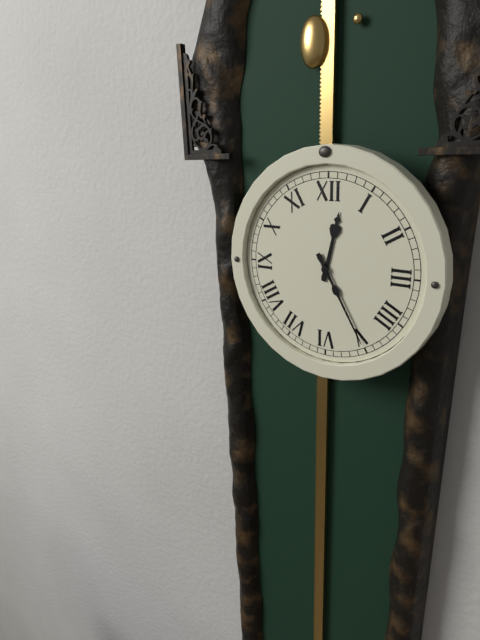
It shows 12:25
